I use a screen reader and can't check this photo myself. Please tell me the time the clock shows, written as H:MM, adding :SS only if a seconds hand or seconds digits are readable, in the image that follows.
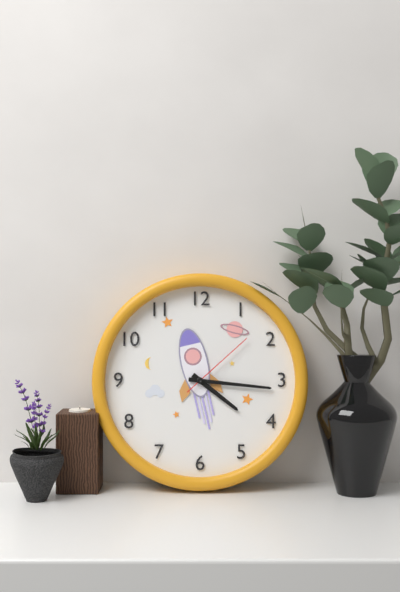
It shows 4:16:08
